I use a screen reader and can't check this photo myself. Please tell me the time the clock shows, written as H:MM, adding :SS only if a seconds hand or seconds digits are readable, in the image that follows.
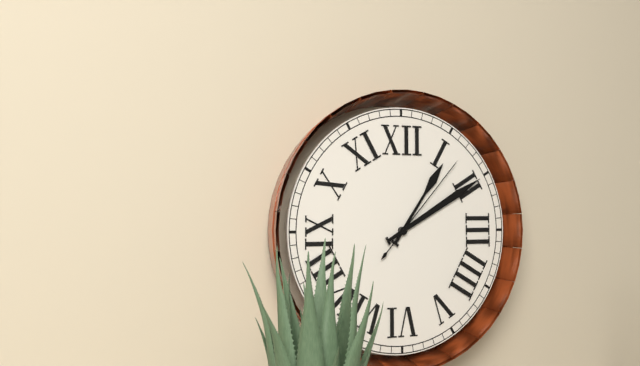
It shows 1:10:07
